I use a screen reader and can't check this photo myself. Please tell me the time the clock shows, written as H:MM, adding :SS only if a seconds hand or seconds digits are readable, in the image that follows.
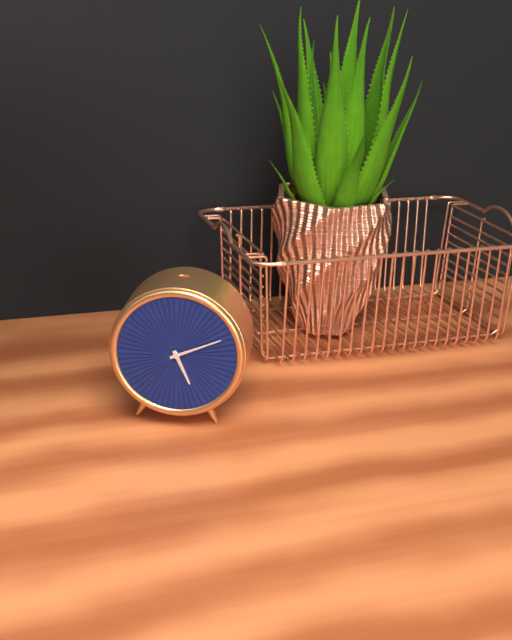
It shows 5:11
